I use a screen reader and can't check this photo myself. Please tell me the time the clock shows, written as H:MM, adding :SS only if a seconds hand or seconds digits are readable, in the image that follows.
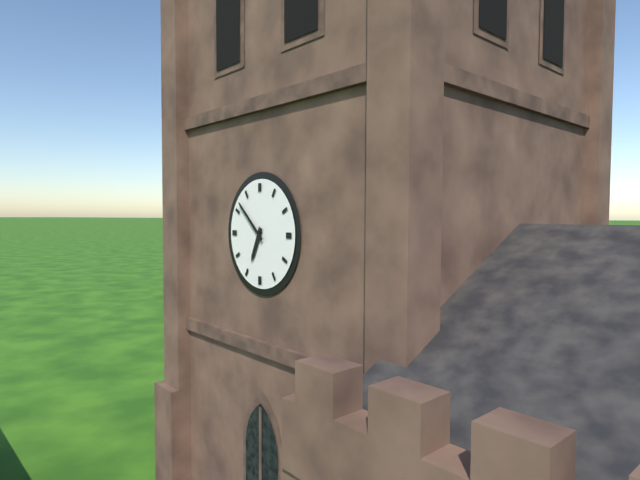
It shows 6:52
